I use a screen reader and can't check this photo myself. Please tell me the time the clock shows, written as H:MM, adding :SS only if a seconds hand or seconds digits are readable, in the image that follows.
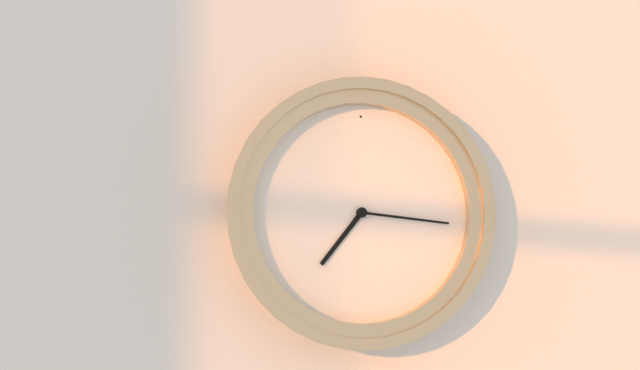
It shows 7:16
